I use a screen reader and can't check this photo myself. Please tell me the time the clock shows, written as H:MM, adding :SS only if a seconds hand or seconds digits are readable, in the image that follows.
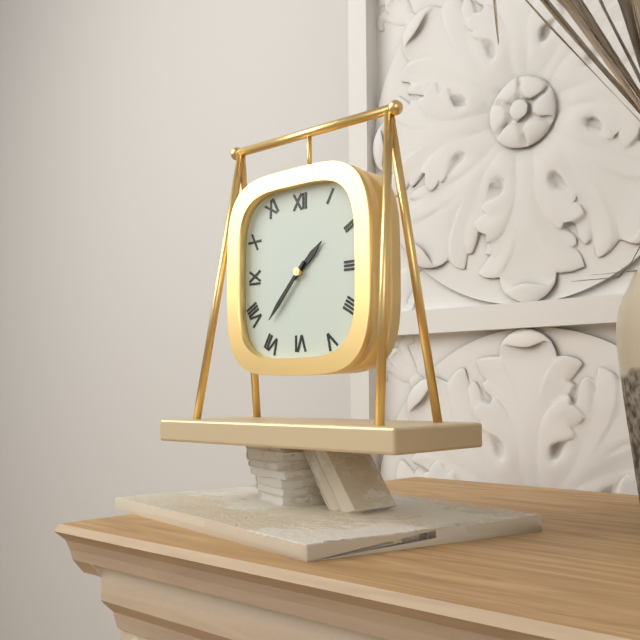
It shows 1:37
